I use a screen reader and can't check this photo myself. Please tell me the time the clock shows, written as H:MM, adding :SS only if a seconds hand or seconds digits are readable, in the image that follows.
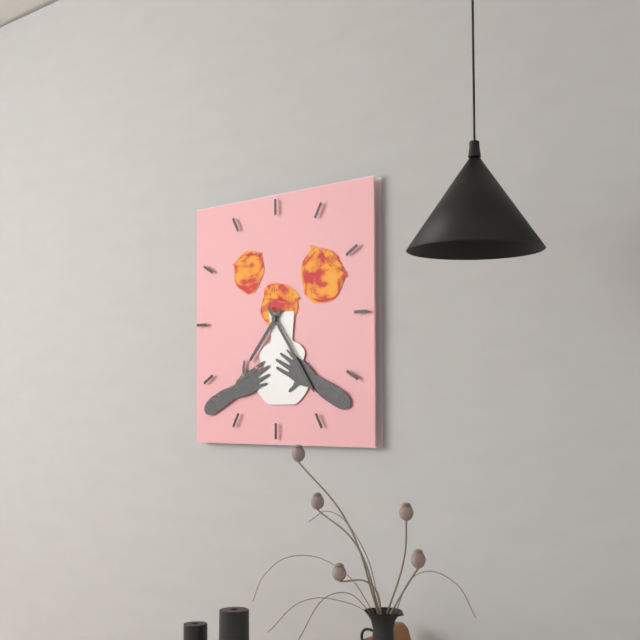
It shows 7:24
